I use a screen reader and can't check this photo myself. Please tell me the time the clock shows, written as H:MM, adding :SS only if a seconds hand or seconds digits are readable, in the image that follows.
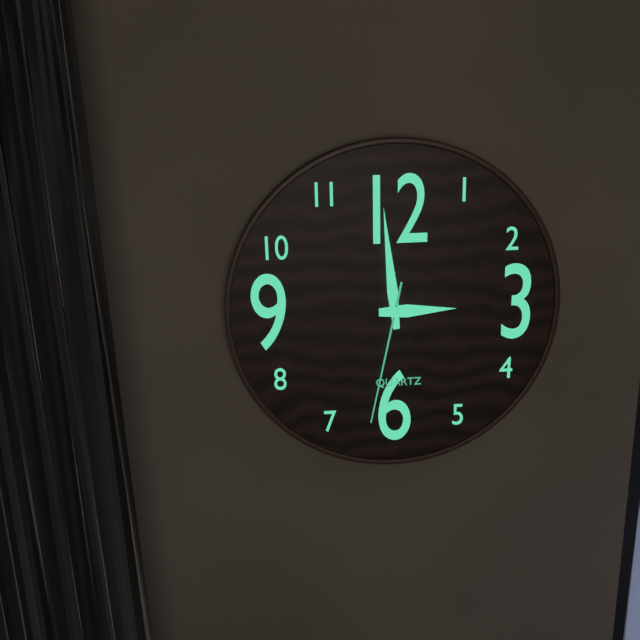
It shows 2:59:32
